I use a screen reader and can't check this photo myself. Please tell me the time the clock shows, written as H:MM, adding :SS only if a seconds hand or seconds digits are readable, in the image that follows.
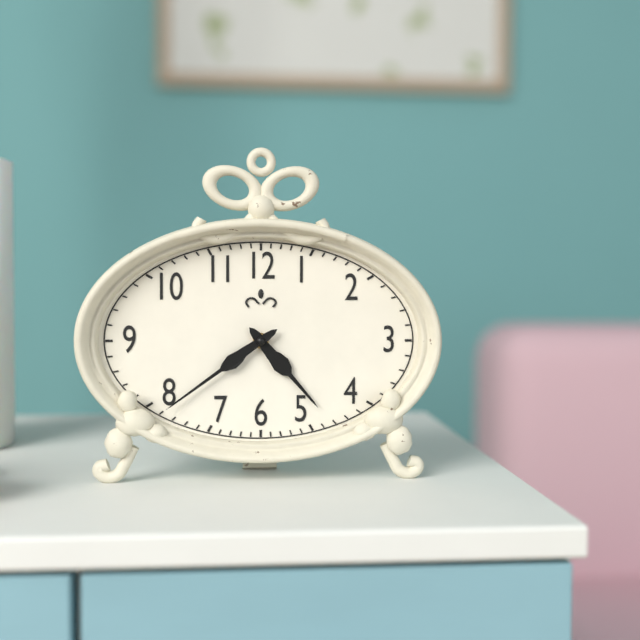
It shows 4:39
